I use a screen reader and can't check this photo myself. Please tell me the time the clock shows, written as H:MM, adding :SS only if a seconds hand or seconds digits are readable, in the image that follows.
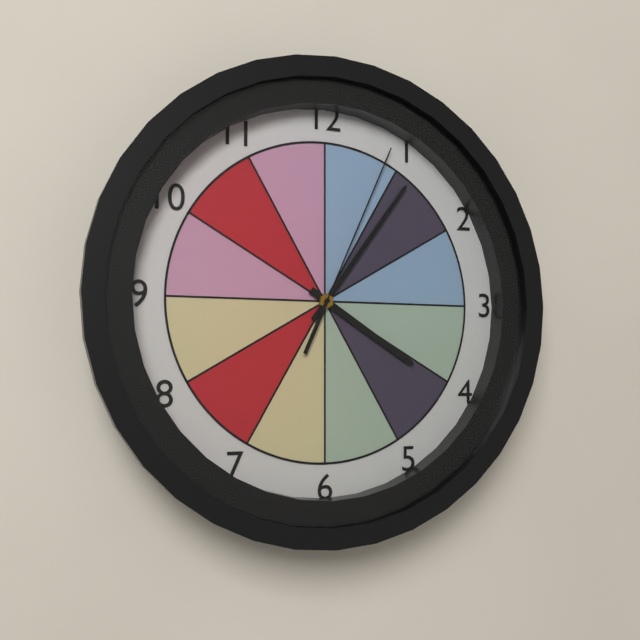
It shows 4:06:04
